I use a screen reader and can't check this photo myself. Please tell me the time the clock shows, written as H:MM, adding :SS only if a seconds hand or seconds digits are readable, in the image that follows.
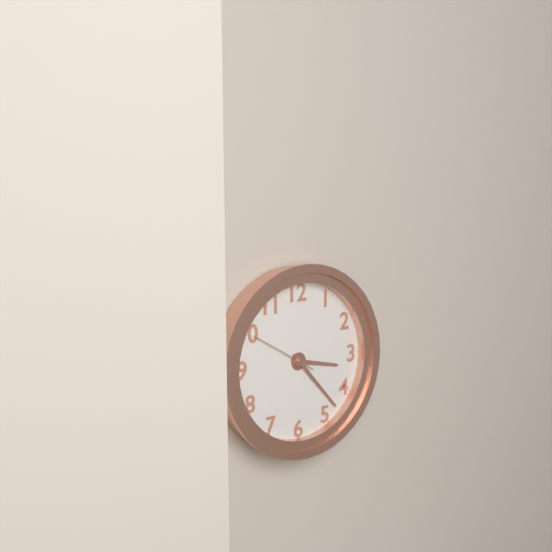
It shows 3:23:50
